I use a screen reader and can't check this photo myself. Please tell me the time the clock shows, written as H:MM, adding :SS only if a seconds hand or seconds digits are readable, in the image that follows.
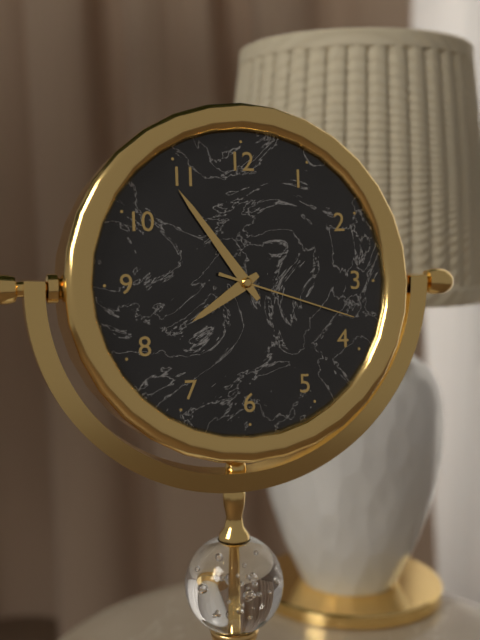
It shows 7:54:18
